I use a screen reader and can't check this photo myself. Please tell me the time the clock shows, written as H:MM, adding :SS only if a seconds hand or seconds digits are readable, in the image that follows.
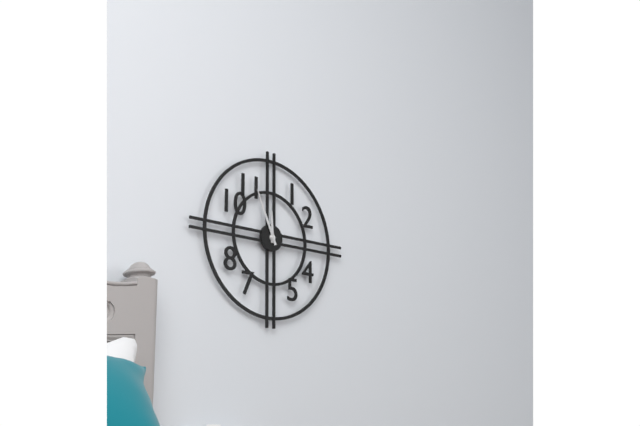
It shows 11:56
